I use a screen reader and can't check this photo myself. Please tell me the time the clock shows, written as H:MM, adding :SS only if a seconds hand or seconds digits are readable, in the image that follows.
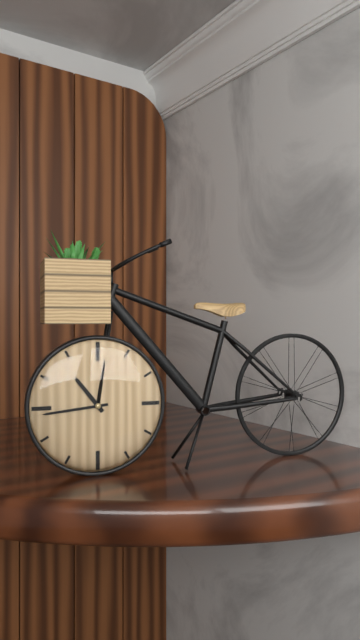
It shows 10:44
